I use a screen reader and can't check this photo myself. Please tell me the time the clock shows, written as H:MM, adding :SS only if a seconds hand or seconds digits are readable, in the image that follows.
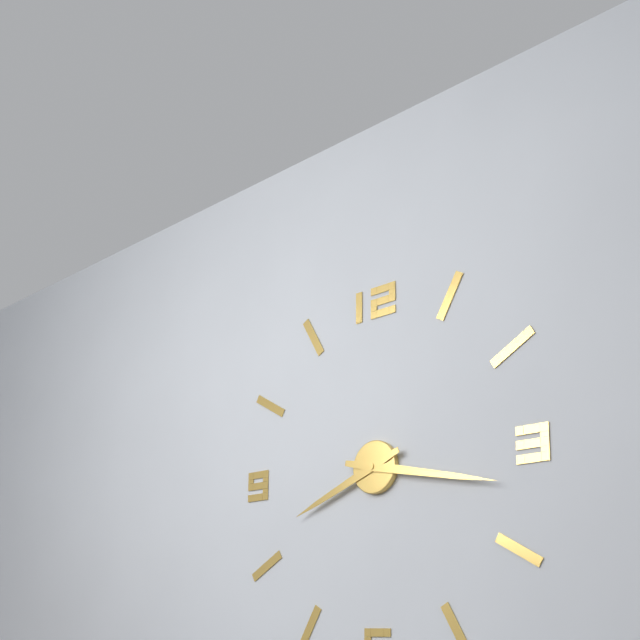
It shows 8:17
